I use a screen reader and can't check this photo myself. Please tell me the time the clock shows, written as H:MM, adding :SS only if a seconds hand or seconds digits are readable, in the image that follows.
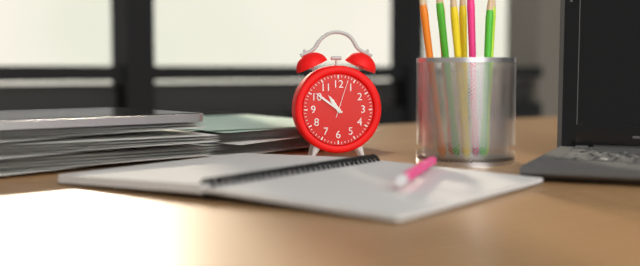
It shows 10:51
